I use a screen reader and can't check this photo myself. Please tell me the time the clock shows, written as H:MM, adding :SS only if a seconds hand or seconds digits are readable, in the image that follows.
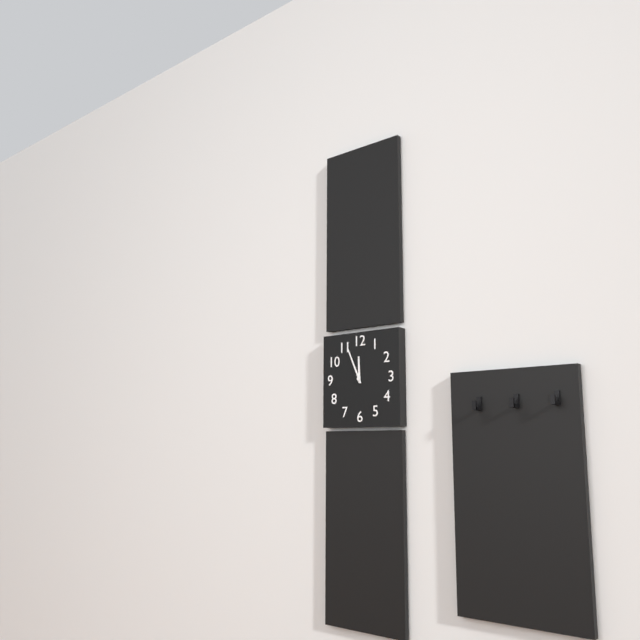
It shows 11:56
